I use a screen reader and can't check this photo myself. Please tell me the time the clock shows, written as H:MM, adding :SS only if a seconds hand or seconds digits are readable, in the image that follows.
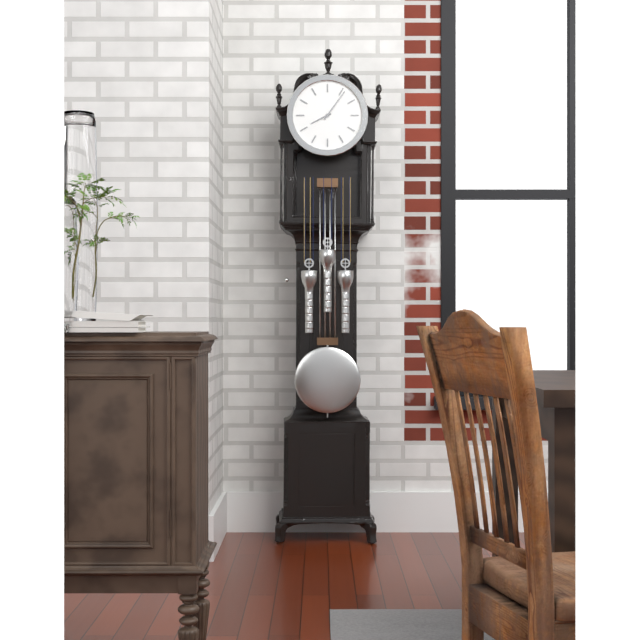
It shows 8:06
